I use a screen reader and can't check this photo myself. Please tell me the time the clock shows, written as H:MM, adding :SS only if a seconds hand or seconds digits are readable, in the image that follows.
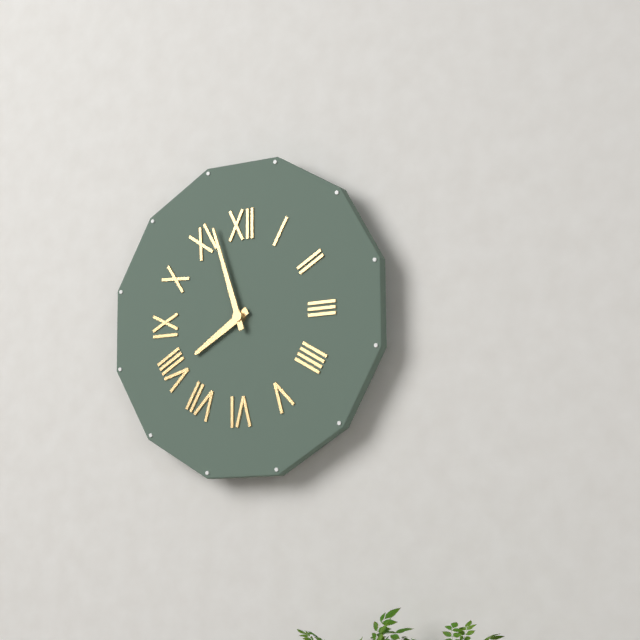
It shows 7:57
